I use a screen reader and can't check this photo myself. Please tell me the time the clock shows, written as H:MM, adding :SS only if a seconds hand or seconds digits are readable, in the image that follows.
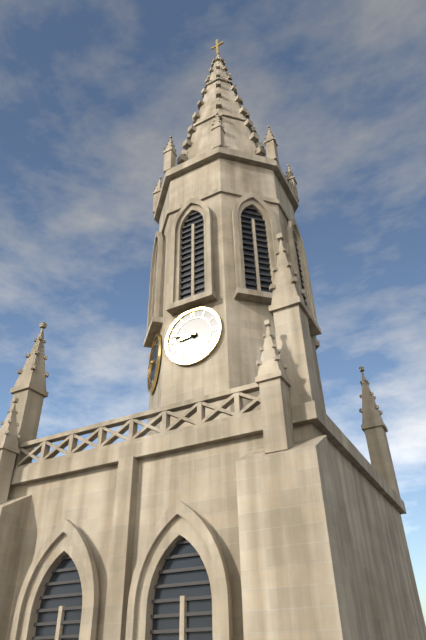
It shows 8:47
